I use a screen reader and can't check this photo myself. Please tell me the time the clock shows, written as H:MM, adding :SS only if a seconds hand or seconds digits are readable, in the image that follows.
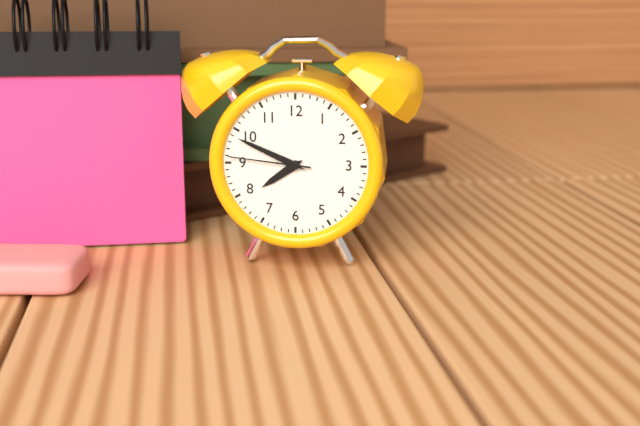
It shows 7:49:46
